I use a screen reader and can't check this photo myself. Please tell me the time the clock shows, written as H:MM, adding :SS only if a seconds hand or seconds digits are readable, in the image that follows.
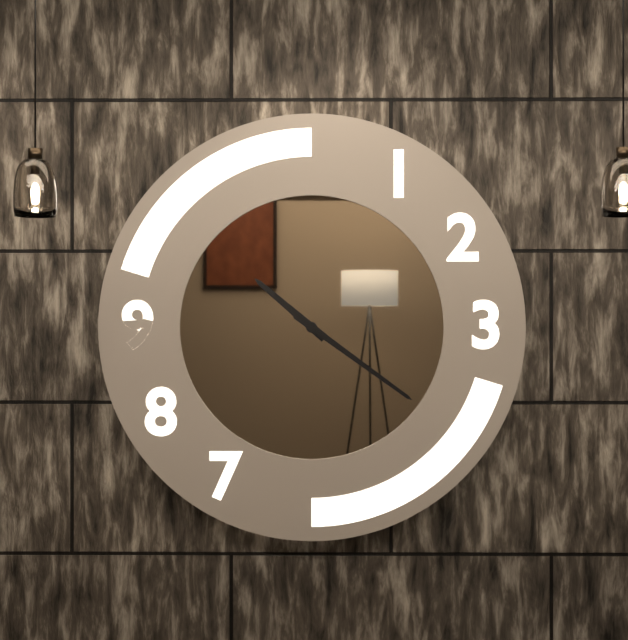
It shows 10:21
